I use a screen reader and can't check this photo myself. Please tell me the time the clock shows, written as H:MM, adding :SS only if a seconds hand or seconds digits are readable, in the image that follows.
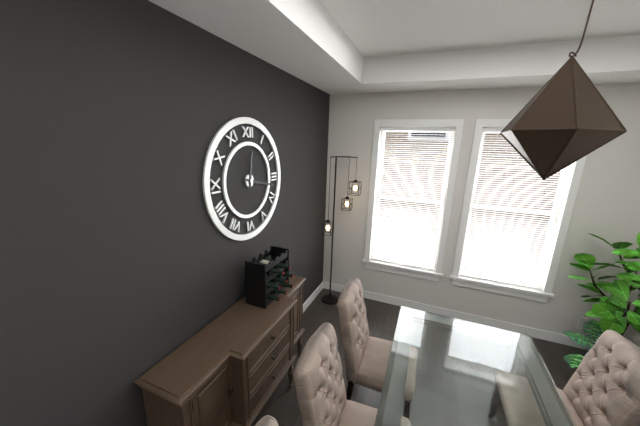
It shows 12:17
